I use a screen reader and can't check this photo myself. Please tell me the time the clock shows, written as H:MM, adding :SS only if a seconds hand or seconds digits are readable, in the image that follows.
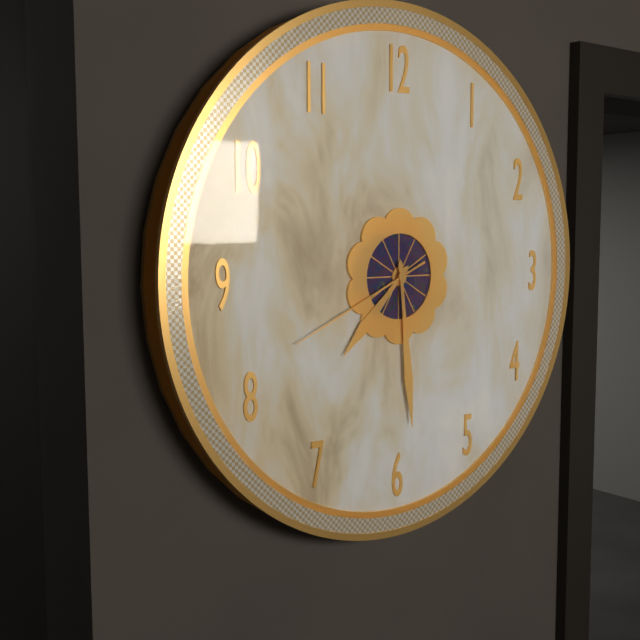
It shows 7:29:41
